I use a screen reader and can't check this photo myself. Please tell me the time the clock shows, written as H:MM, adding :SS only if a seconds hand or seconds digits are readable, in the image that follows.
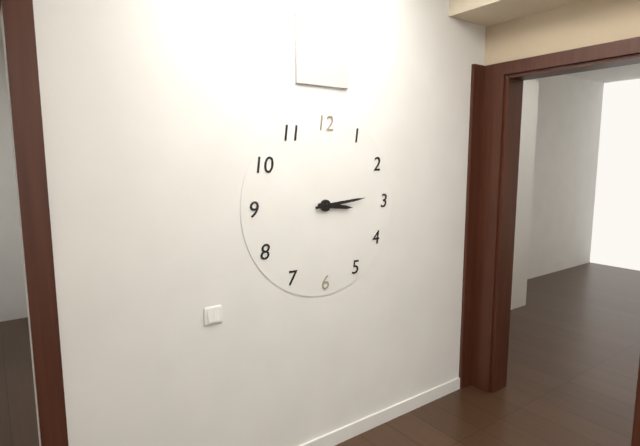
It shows 3:14
